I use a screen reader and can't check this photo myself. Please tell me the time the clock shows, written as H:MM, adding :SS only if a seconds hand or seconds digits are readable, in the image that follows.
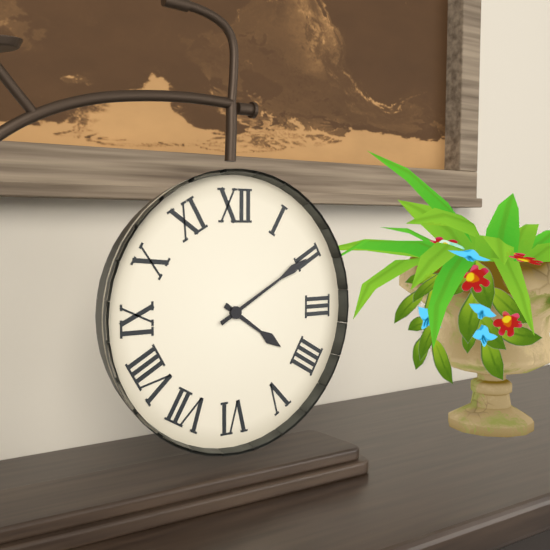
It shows 4:10
